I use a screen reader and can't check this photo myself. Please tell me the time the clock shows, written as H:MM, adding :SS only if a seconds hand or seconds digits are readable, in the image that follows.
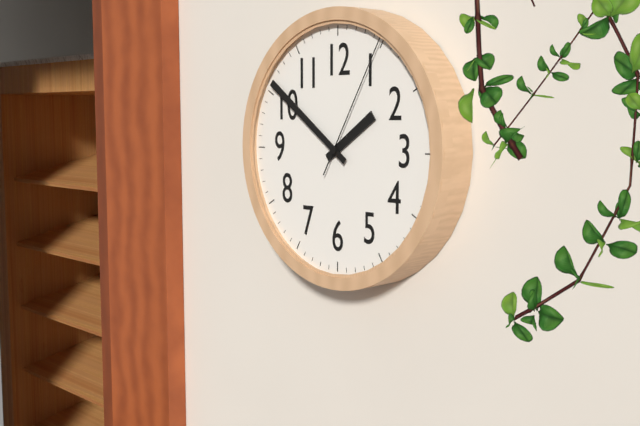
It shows 1:51:05
